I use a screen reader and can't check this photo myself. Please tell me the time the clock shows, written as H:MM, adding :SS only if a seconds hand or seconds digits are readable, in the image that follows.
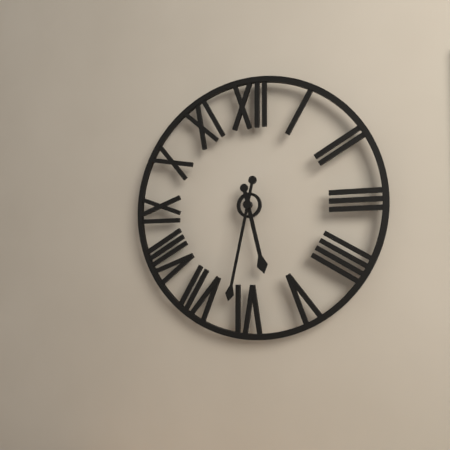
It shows 5:32
